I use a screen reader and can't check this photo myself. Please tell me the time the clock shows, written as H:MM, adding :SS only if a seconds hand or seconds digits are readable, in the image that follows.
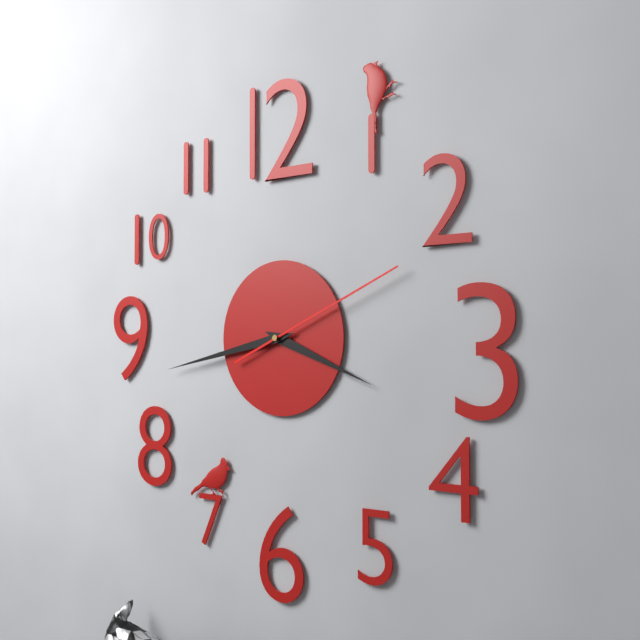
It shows 3:43:11
